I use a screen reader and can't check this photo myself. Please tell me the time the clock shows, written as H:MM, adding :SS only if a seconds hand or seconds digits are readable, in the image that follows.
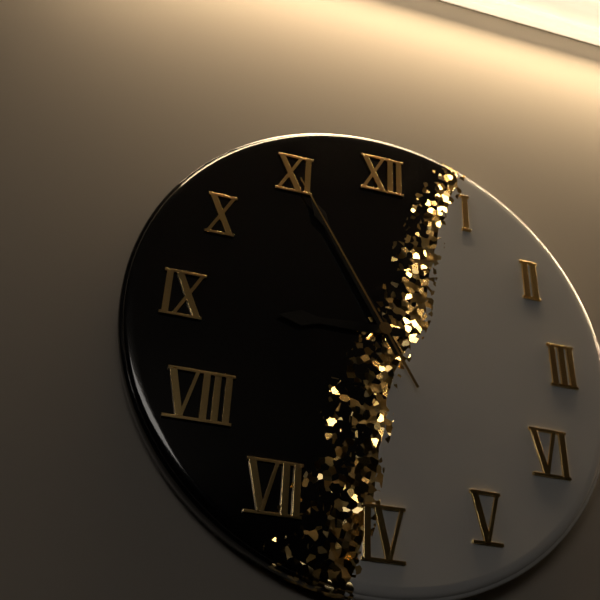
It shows 8:55:55
